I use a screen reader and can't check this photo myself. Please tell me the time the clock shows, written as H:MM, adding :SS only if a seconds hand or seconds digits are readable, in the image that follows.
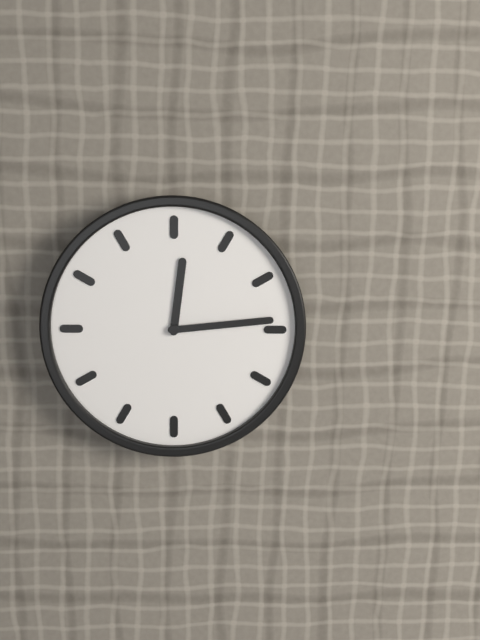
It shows 12:14
